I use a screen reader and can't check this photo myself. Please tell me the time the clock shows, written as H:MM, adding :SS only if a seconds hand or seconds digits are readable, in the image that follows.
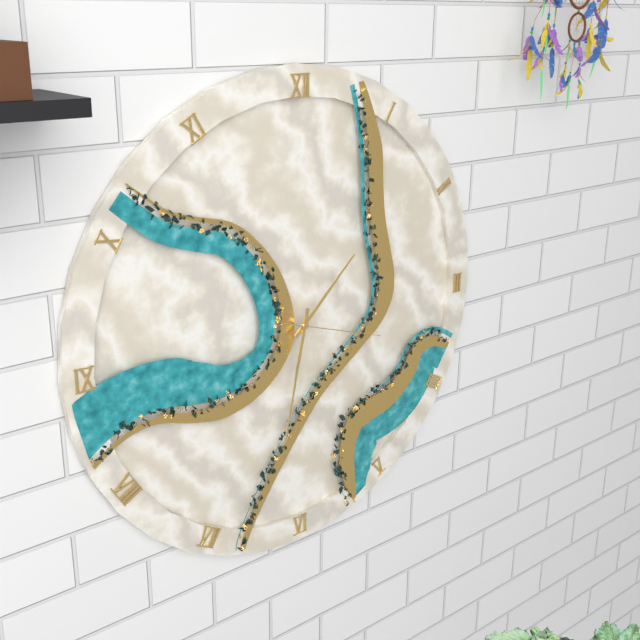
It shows 1:32:18
